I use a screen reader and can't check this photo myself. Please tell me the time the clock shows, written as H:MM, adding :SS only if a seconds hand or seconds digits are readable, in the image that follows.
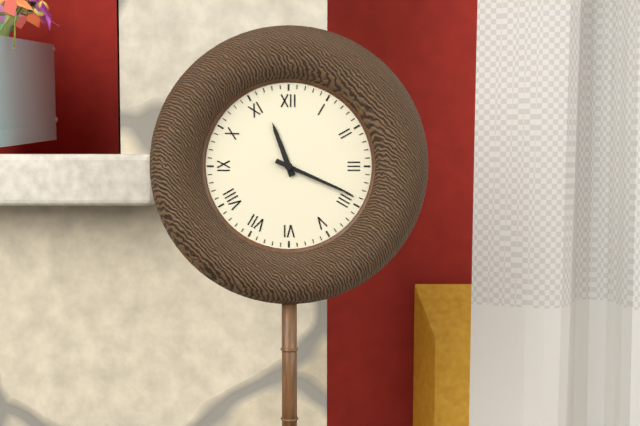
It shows 11:19
